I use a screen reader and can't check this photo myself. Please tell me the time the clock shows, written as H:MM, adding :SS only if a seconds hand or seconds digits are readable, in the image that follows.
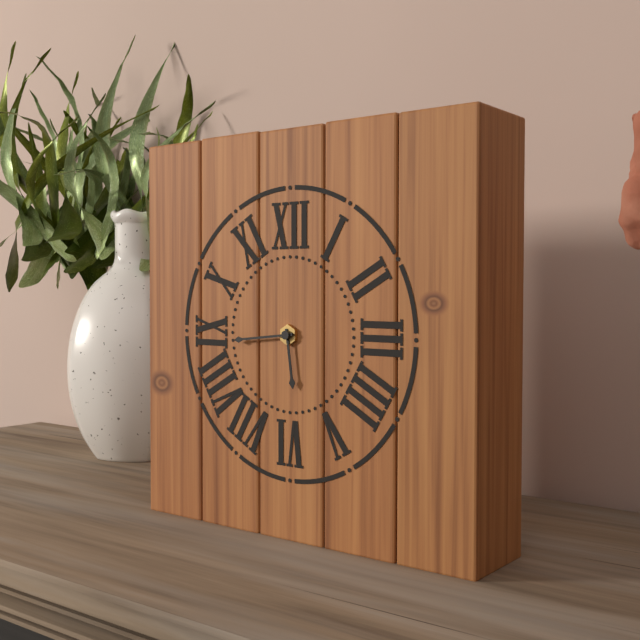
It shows 5:44
